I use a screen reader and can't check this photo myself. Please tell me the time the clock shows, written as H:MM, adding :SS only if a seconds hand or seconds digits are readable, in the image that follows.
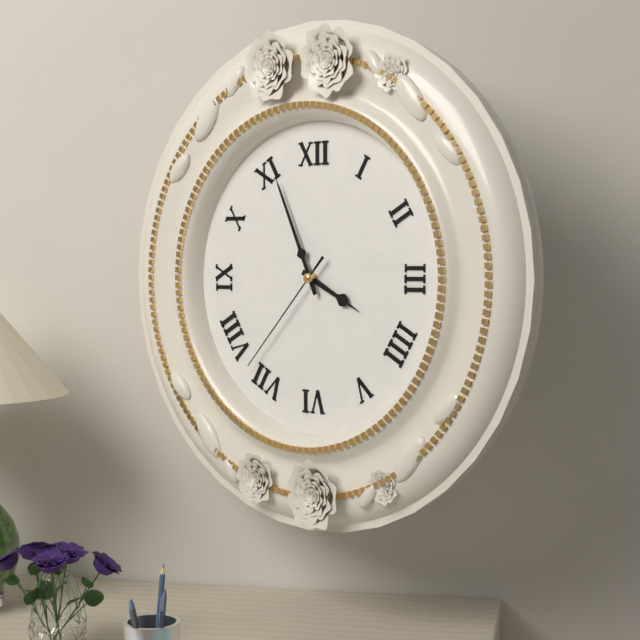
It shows 3:56:37
